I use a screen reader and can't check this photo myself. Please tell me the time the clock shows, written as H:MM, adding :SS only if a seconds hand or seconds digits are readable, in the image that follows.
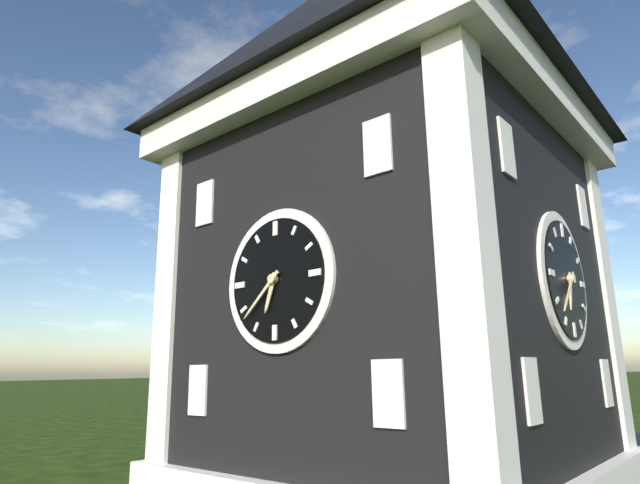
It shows 6:38
